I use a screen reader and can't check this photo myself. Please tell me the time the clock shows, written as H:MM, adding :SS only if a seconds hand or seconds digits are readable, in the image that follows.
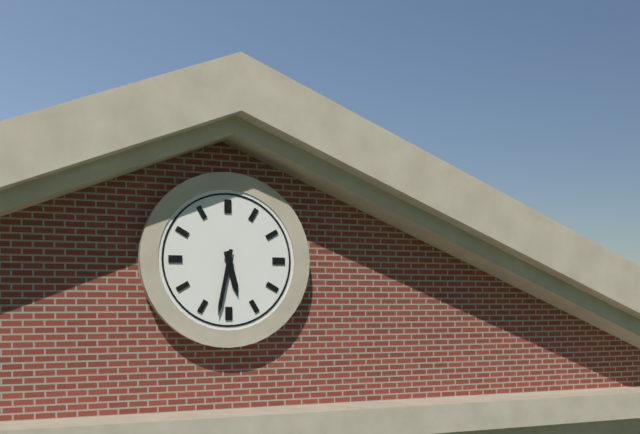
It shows 5:32
